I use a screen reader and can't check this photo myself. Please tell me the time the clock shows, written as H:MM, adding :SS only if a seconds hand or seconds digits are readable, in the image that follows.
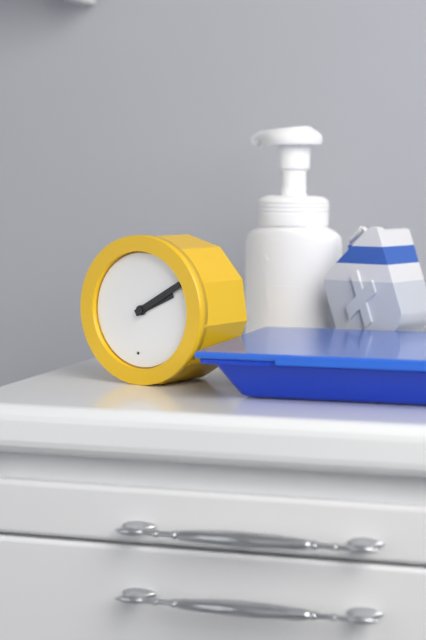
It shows 2:10
